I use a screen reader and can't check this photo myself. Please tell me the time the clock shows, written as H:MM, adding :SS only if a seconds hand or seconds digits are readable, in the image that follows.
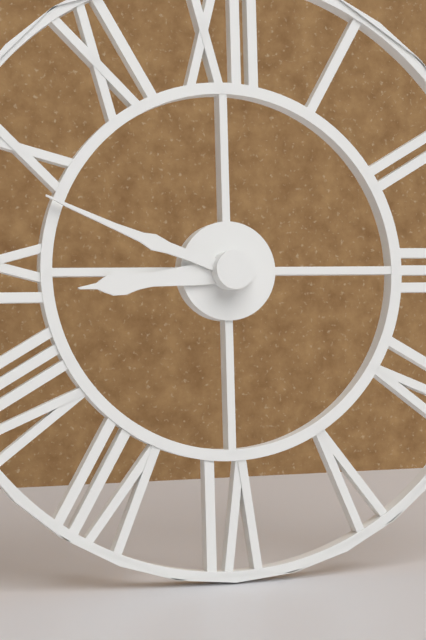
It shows 8:48
